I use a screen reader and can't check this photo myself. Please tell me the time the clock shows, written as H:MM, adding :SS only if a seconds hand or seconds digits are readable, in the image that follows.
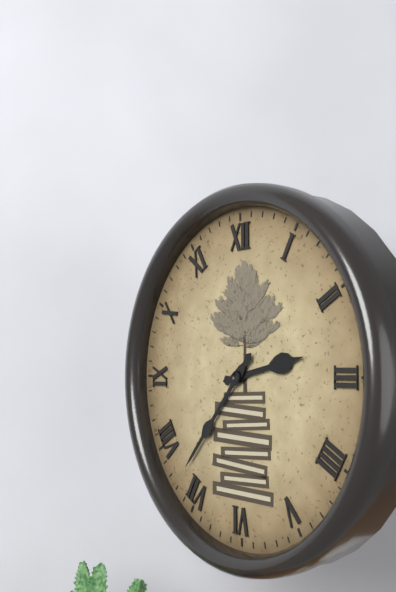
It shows 2:37
